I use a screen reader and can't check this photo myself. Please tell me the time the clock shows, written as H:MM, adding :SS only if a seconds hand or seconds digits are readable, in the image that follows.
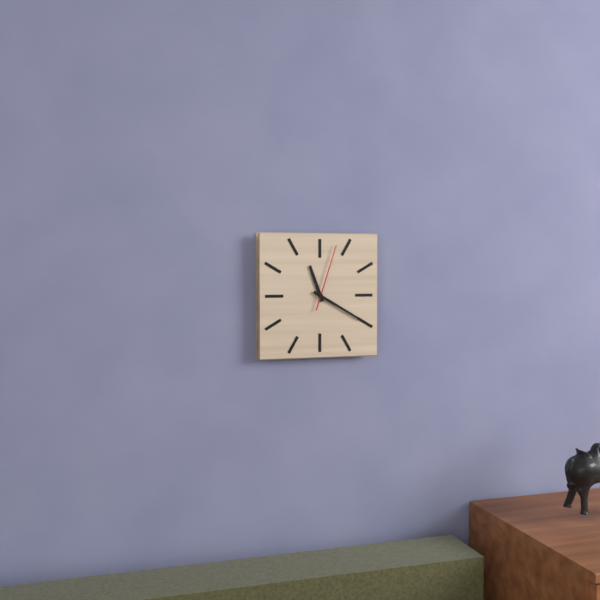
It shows 11:20:03
